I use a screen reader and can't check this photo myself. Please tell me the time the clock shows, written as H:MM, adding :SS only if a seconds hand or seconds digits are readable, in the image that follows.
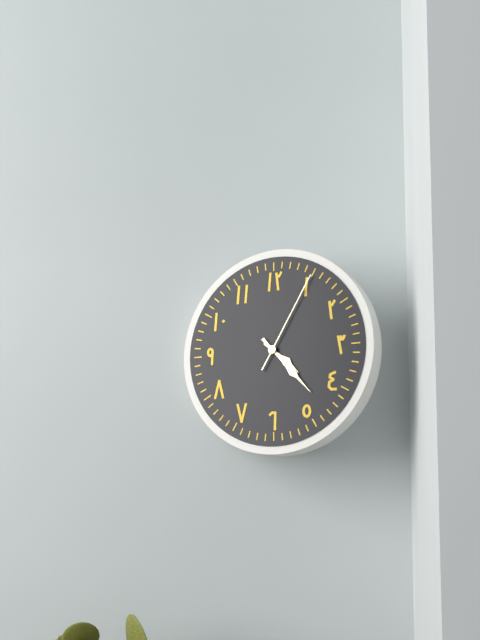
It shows 4:23:05
